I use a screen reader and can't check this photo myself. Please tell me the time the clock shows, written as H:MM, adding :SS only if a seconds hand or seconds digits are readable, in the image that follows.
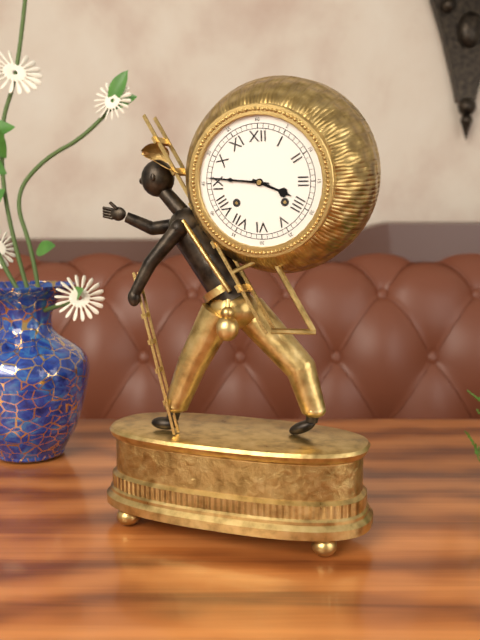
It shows 3:46
